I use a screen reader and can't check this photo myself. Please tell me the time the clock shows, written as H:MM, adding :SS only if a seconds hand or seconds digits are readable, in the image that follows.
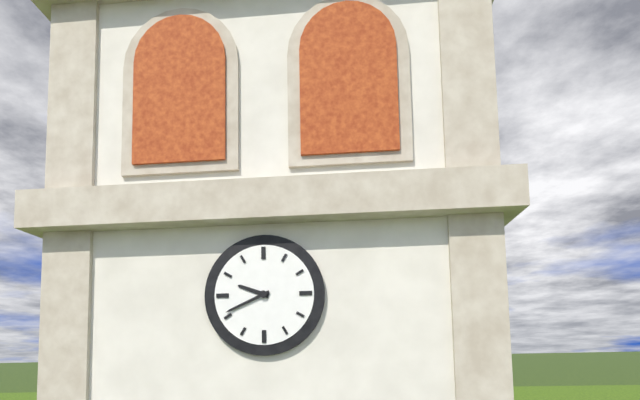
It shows 9:41
